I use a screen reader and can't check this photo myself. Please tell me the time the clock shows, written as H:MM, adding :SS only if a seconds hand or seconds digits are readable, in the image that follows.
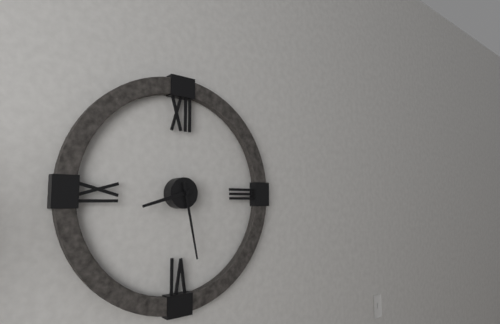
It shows 8:28
